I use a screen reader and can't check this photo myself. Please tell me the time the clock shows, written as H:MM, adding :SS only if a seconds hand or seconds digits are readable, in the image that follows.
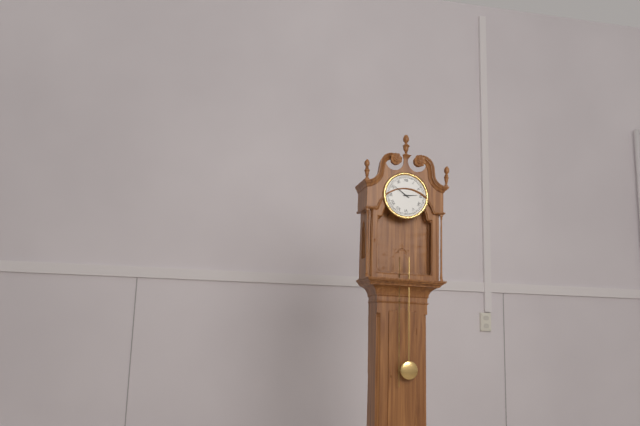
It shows 2:51
